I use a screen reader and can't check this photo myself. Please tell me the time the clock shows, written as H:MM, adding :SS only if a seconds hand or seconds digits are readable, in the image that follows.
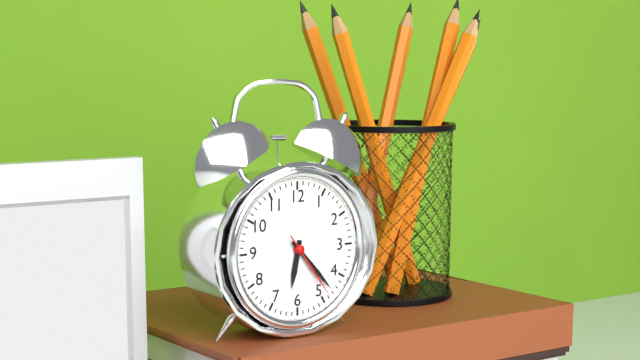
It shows 6:23:24
